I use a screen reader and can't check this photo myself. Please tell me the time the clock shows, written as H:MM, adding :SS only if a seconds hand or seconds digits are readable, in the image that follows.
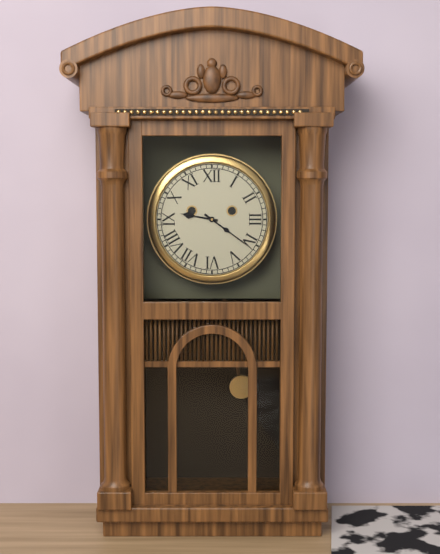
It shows 9:21
